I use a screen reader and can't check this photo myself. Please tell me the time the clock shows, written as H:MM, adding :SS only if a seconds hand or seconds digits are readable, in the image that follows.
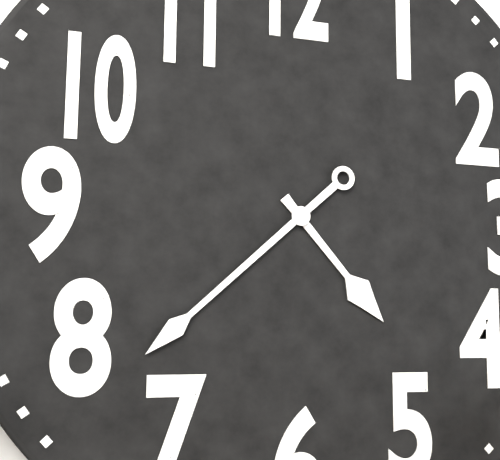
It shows 4:38
